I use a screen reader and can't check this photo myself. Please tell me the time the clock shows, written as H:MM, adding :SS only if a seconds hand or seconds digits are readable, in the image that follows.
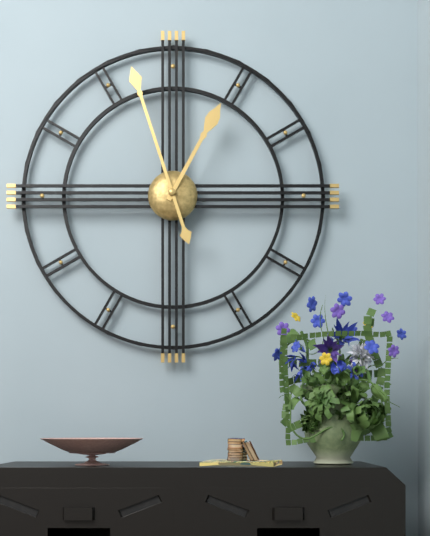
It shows 12:57
